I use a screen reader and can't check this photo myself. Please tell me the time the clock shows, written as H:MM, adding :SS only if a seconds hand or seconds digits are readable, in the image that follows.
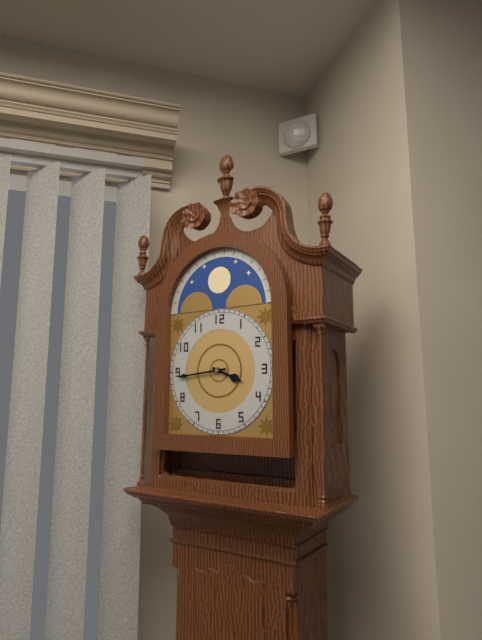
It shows 3:44
